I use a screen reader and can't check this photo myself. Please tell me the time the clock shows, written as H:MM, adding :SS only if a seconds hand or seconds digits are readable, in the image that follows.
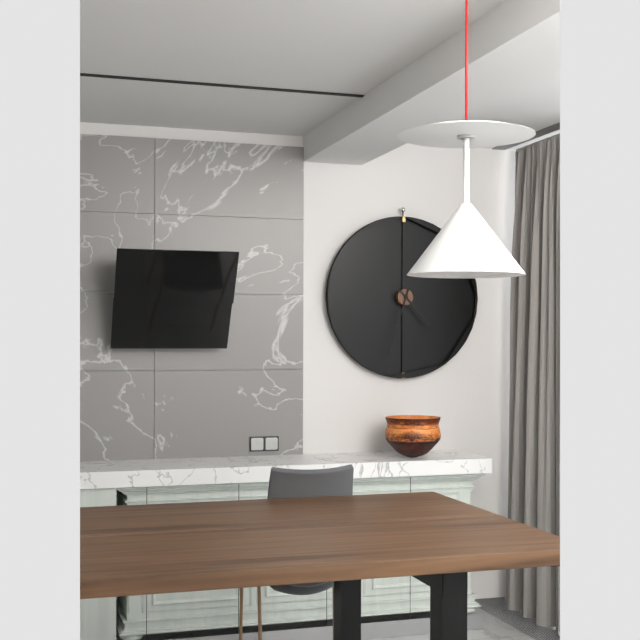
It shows 4:33
